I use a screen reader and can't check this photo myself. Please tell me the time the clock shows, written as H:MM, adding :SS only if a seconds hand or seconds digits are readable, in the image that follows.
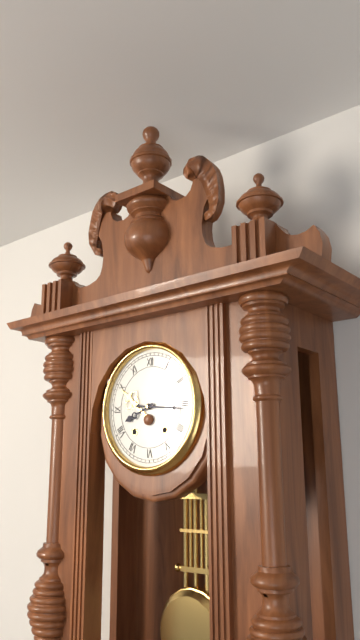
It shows 8:16
